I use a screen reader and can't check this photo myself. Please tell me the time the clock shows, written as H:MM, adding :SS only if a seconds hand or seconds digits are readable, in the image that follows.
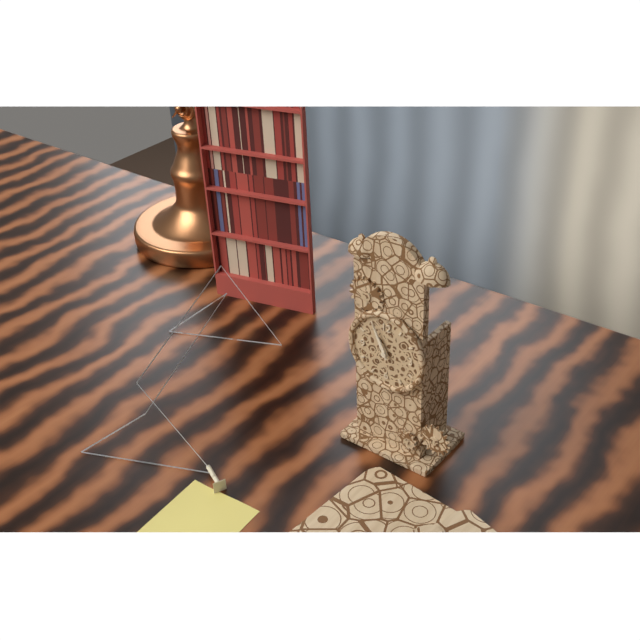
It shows 10:56
